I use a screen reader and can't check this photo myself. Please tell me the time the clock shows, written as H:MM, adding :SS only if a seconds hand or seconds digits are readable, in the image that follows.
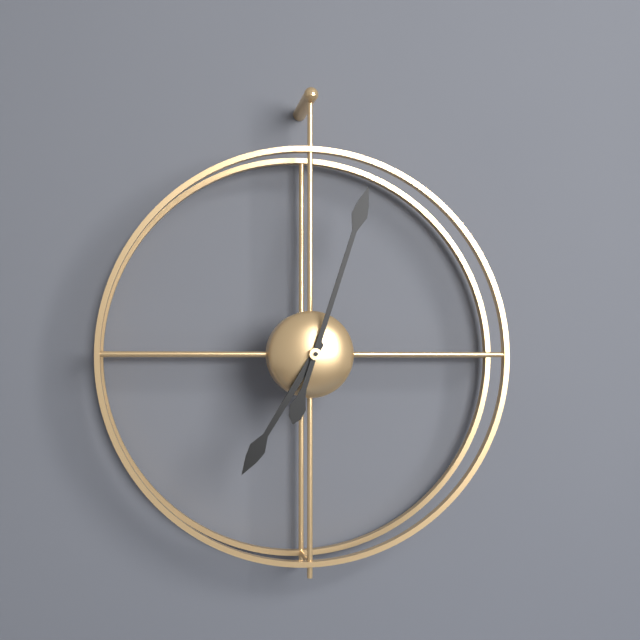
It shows 7:03
